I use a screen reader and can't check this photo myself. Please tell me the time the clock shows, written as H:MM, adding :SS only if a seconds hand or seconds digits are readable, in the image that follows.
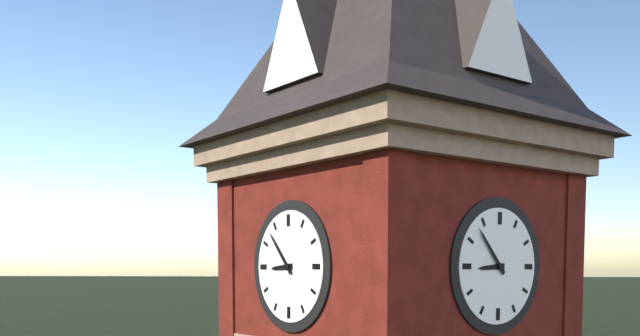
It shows 8:53
